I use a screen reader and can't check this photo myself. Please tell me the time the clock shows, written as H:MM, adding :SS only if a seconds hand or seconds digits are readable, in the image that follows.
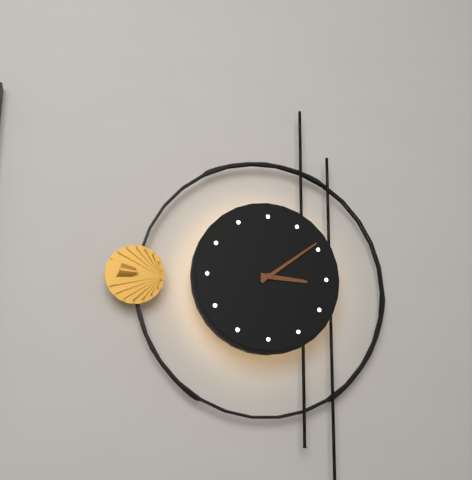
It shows 3:09
